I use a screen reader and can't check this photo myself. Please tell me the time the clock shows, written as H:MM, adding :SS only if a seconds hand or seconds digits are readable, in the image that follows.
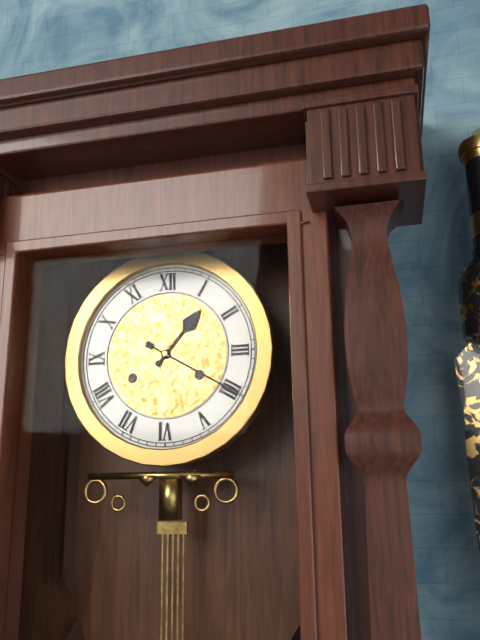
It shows 1:20
